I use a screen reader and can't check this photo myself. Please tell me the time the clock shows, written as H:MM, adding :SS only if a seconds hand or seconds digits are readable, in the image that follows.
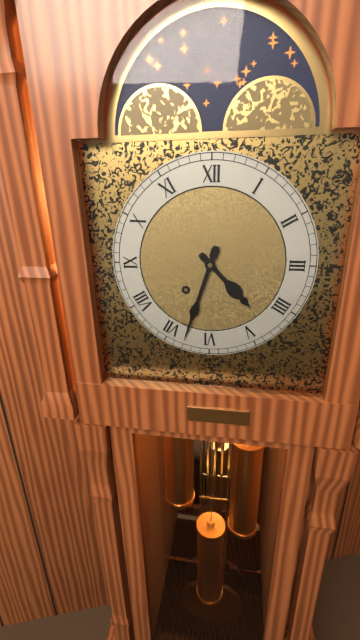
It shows 4:33
